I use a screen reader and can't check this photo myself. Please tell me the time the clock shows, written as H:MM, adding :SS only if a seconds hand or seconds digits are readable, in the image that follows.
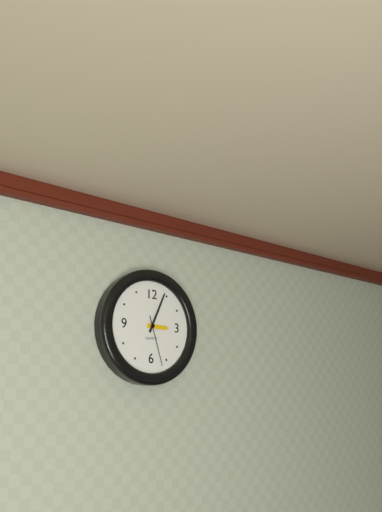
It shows 3:04:27
